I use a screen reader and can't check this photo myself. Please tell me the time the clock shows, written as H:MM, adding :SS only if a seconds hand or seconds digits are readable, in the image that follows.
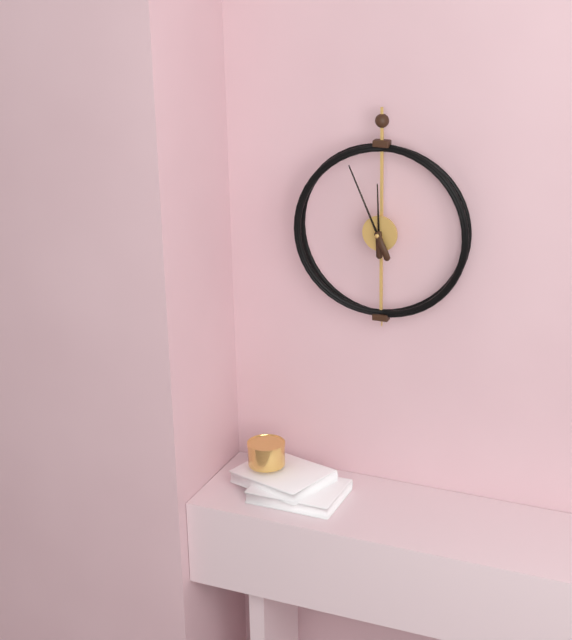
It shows 11:56
